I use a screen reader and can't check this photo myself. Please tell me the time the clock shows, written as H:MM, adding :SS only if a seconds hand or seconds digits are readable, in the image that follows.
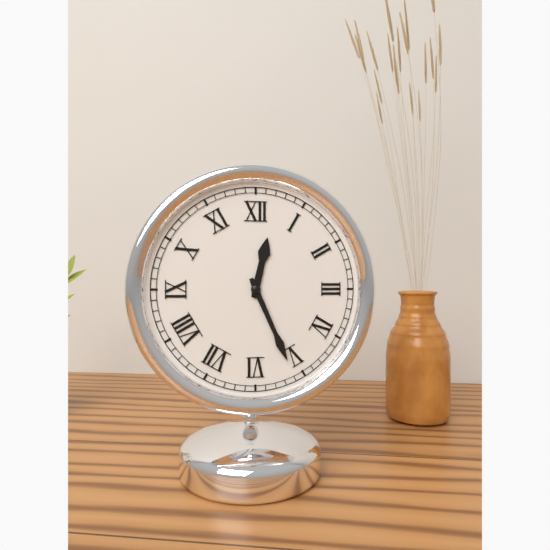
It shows 12:26
